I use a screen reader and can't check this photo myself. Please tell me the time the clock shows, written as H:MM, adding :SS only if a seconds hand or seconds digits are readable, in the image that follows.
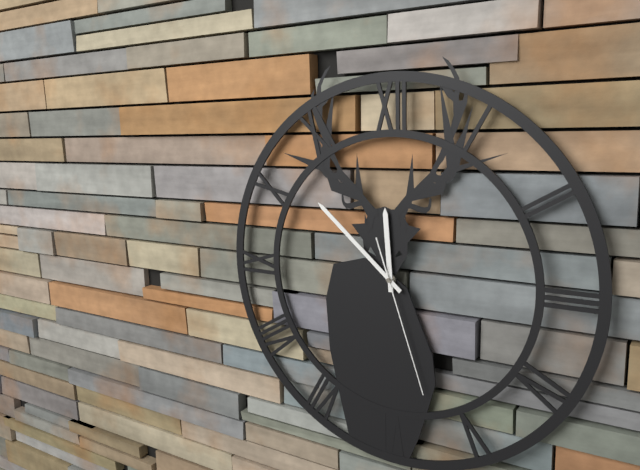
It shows 11:52:27
